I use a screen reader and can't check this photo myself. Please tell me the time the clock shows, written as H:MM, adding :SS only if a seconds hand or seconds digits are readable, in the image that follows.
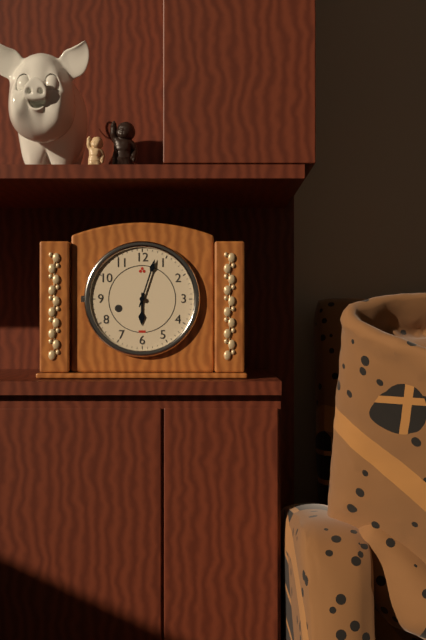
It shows 6:03
